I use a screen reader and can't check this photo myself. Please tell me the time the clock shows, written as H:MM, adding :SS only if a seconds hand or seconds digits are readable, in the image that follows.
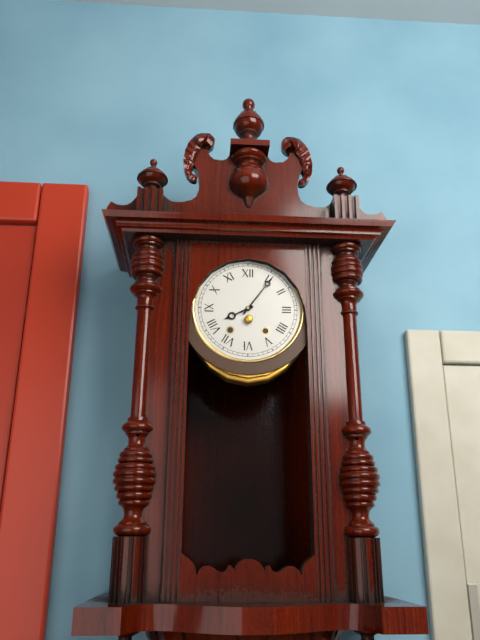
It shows 8:06
